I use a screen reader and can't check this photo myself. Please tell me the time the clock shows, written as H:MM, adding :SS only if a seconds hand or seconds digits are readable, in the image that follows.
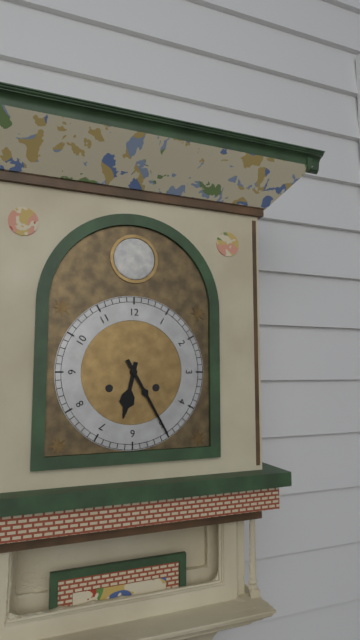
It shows 6:25
